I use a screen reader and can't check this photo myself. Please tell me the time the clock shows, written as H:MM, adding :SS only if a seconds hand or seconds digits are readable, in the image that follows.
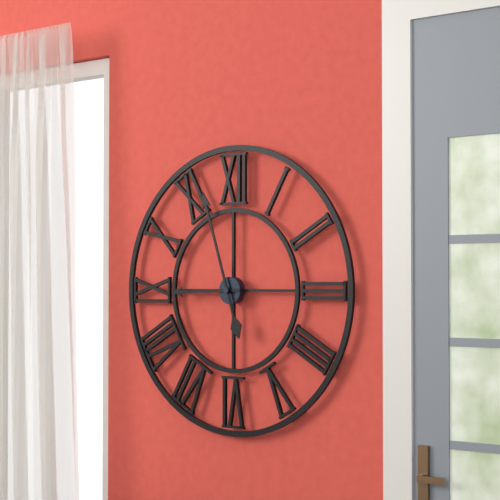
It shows 8:57
